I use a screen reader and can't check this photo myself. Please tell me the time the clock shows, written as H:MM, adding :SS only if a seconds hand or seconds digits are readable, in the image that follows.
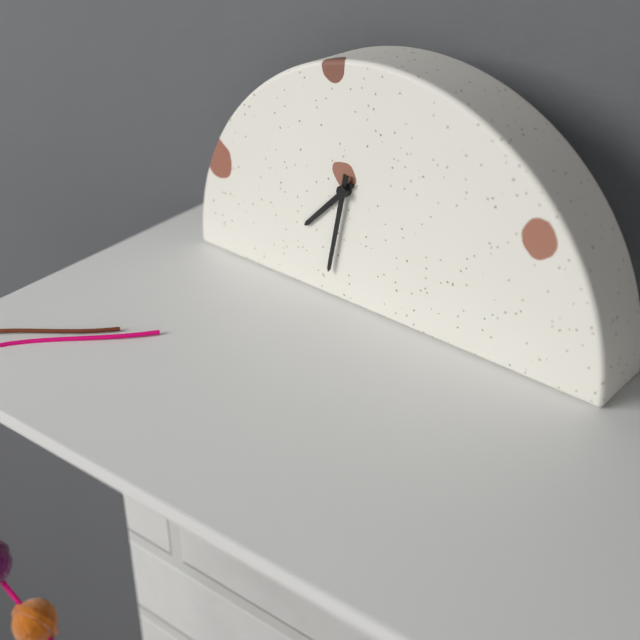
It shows 7:32
